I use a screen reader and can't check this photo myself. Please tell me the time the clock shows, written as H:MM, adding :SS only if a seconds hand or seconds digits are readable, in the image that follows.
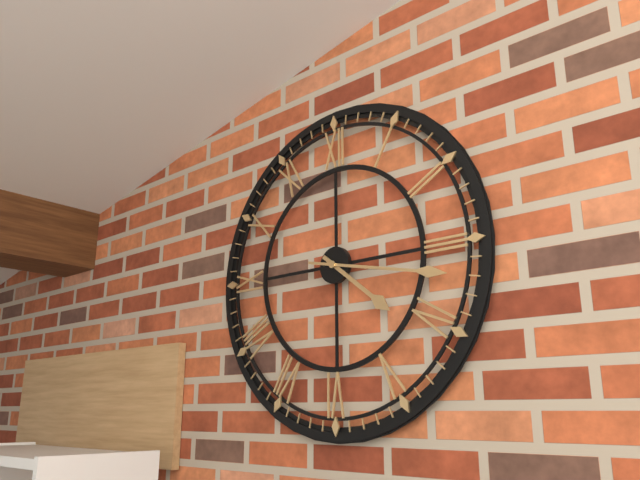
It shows 4:17
